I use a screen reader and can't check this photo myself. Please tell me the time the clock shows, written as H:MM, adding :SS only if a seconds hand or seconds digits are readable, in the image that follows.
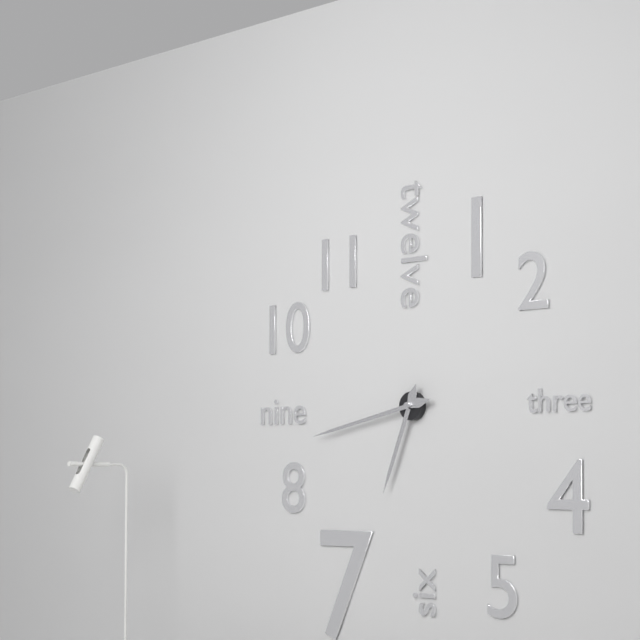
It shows 6:43
